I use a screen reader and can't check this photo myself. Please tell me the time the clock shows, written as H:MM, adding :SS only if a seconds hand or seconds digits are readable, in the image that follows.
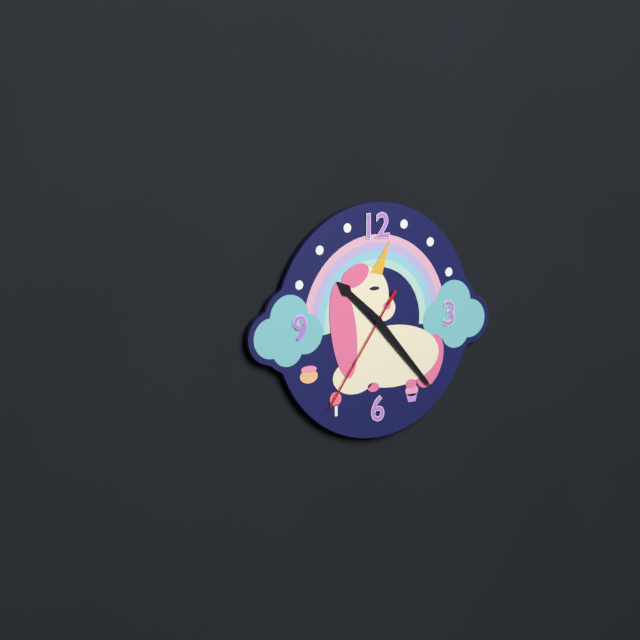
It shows 10:23:36
